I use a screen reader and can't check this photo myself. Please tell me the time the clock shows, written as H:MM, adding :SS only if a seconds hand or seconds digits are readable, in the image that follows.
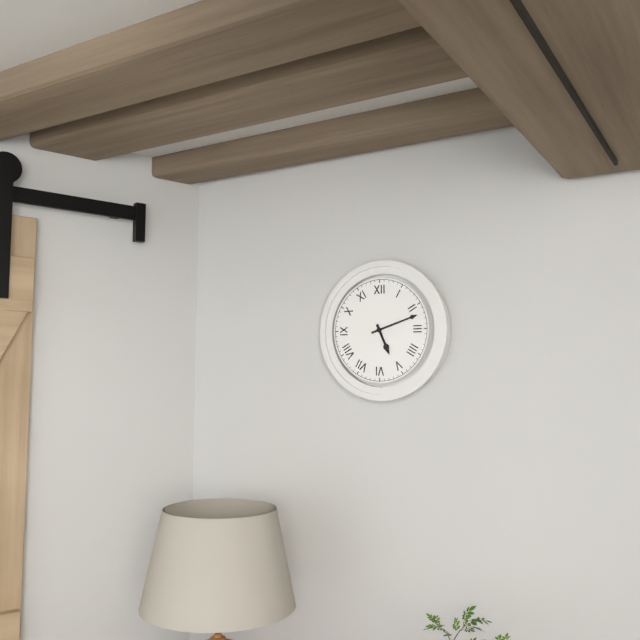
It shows 5:12
